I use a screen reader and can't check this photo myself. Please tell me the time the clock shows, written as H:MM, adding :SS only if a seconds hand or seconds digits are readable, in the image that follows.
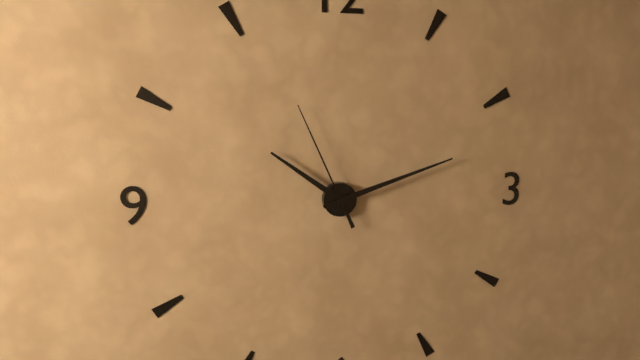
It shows 10:12:56
